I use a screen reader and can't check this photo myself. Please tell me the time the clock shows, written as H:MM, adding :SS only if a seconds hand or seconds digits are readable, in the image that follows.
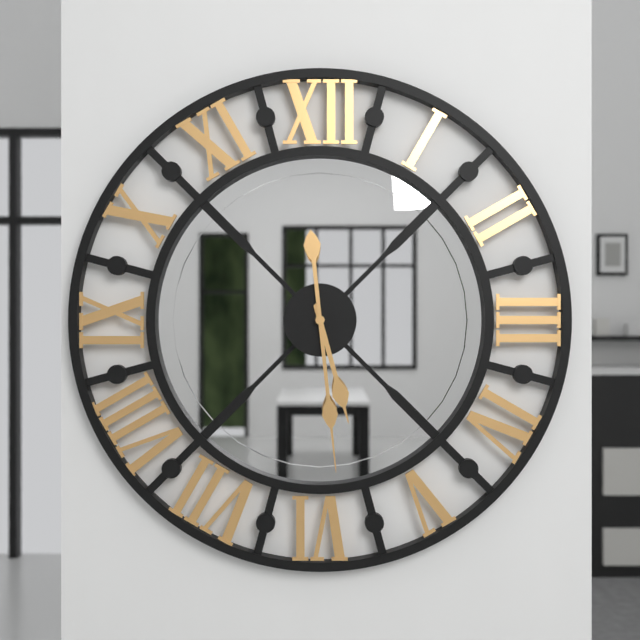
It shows 5:29
